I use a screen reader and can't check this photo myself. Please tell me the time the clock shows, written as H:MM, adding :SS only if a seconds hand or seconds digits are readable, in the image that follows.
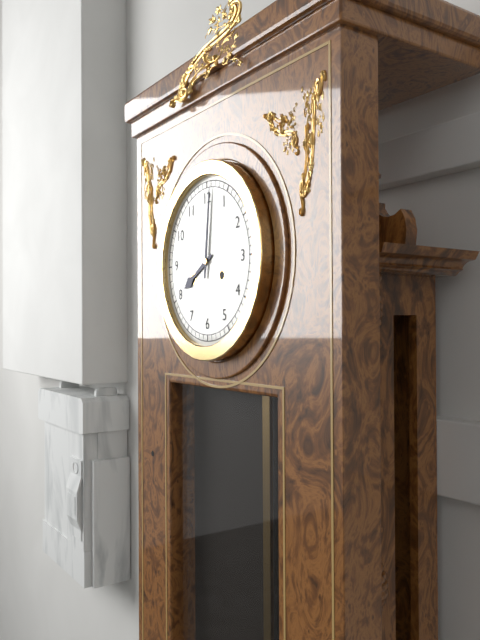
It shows 8:01
